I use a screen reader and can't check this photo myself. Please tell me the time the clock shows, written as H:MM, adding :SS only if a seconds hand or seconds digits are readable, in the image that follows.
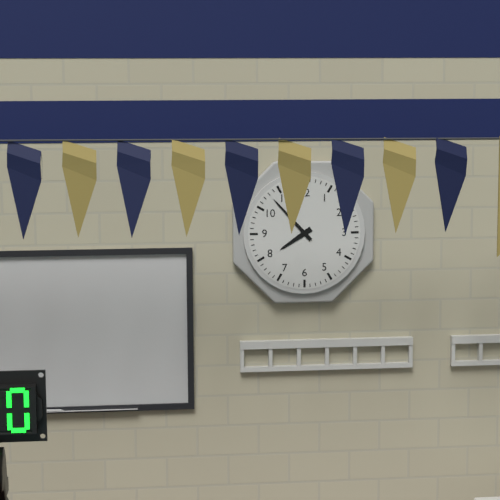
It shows 7:53
